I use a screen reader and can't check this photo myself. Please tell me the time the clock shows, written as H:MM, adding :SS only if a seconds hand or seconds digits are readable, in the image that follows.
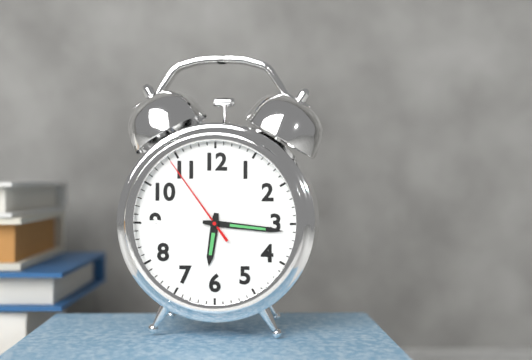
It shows 6:16:54
